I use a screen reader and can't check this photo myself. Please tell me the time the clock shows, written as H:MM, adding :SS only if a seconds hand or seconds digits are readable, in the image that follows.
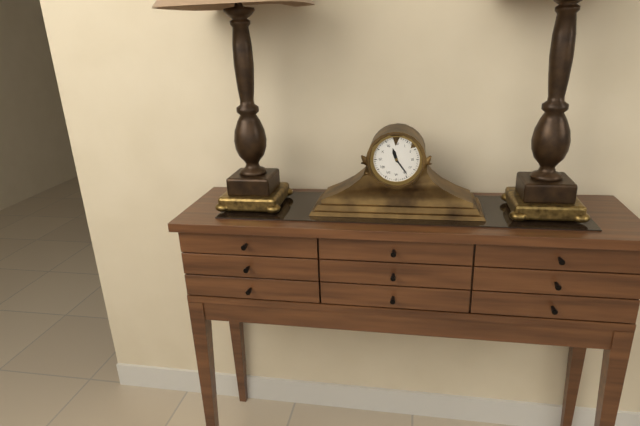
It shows 11:24
